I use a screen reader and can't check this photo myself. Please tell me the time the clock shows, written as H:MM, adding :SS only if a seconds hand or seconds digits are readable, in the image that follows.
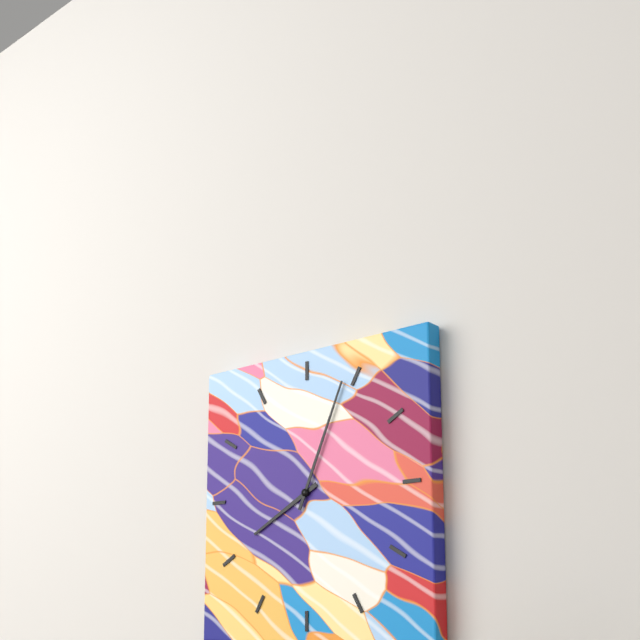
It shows 8:04
